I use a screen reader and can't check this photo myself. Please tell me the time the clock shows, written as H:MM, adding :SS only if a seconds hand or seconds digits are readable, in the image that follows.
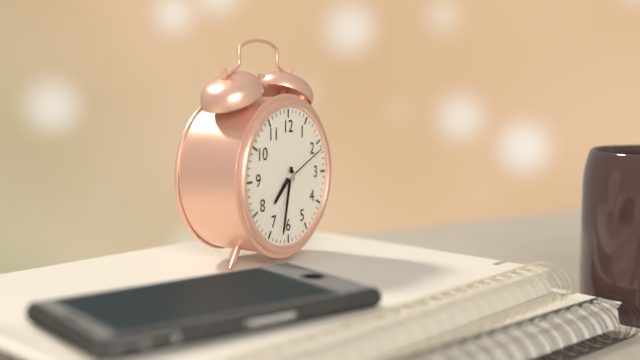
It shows 7:32:11
